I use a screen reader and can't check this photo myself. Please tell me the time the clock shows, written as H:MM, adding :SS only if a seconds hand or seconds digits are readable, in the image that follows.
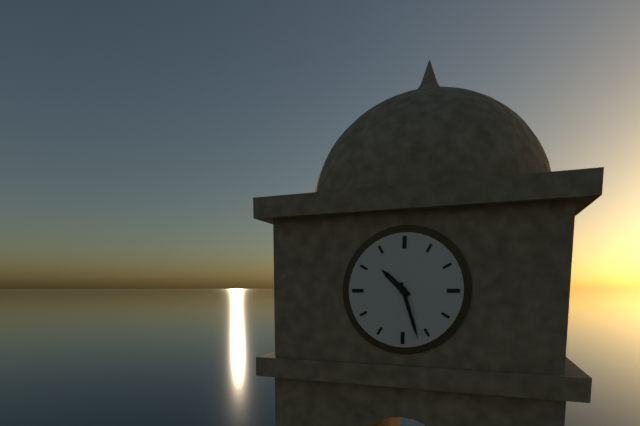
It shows 10:27
